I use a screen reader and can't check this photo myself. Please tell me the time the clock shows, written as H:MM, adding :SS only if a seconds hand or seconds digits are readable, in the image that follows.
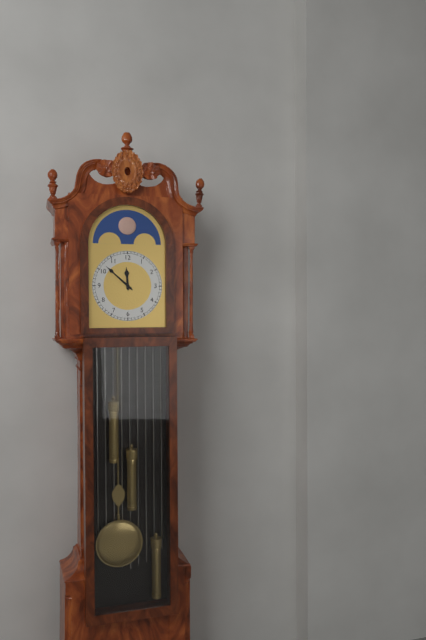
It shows 11:52
